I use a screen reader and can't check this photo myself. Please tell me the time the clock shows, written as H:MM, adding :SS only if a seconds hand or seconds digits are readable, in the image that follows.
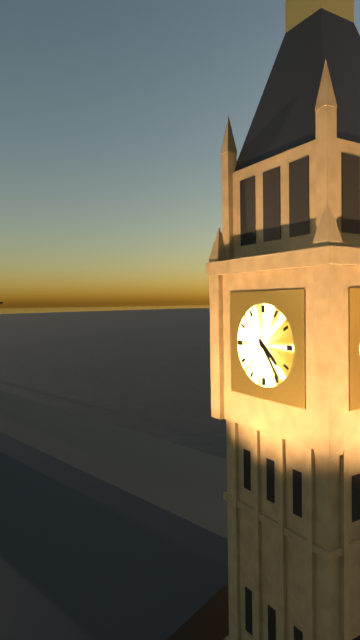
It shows 4:24
